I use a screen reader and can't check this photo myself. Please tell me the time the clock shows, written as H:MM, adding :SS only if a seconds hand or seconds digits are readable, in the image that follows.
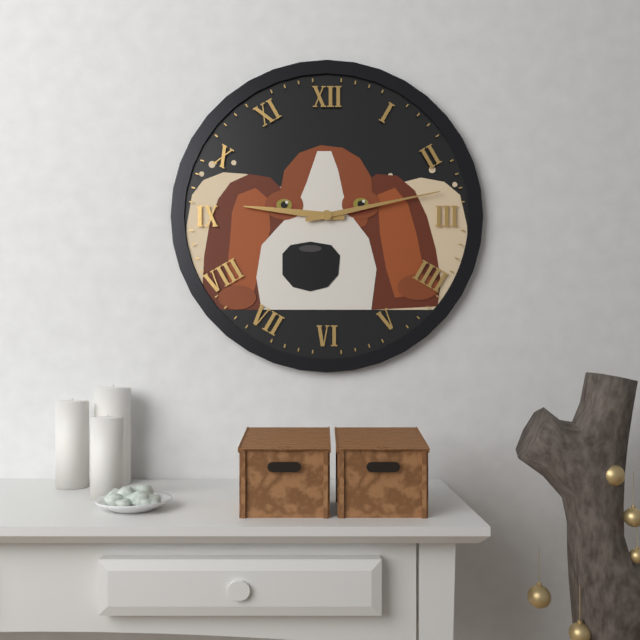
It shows 9:13
